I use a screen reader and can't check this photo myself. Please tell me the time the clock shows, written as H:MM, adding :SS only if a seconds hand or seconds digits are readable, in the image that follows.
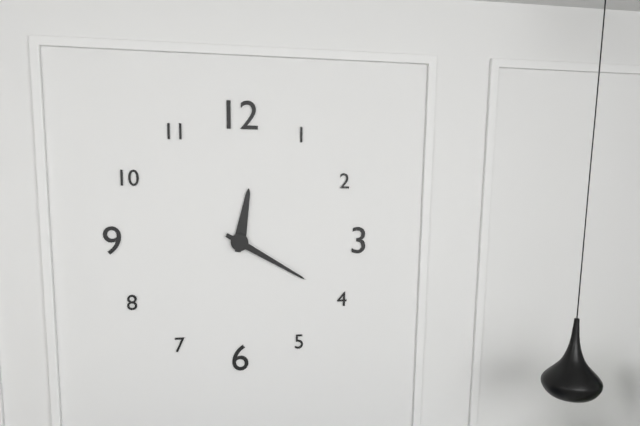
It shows 12:20
